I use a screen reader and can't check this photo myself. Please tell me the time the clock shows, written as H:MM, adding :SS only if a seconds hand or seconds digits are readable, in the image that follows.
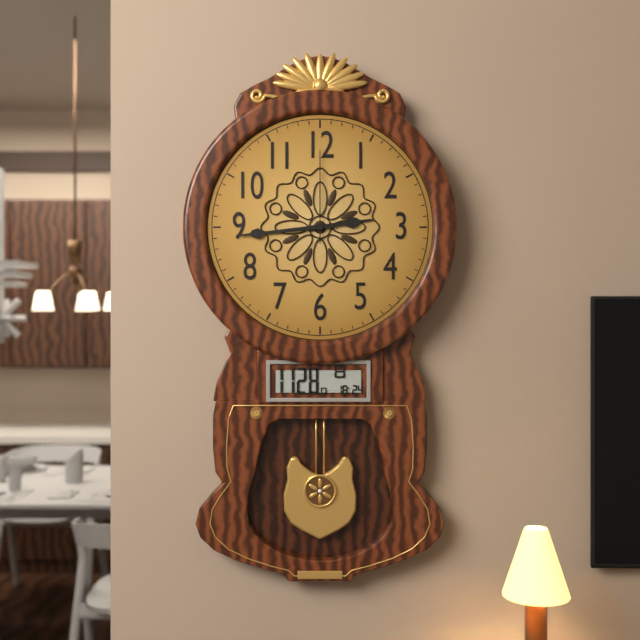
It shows 2:44:00
